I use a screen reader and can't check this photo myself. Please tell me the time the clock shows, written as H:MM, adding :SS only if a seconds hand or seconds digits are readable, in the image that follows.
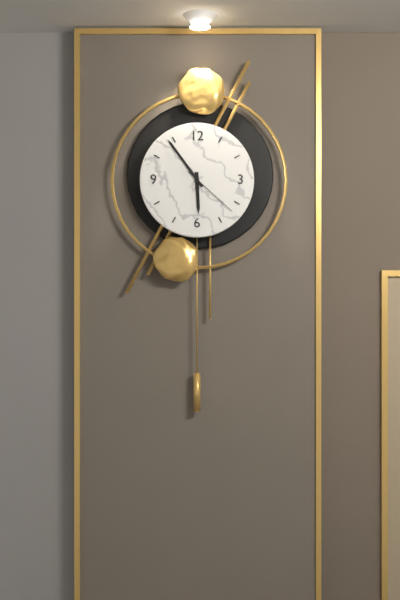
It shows 5:54:22
